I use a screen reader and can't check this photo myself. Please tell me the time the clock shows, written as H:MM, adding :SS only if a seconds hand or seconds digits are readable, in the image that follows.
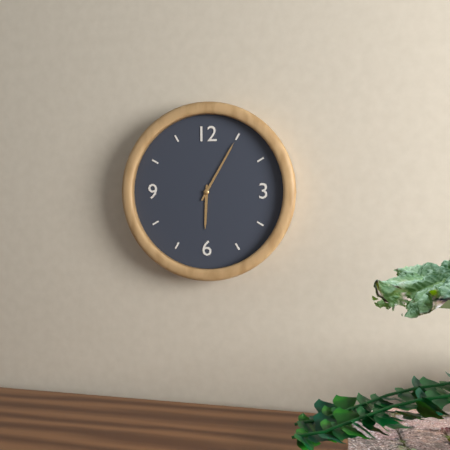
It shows 6:05
